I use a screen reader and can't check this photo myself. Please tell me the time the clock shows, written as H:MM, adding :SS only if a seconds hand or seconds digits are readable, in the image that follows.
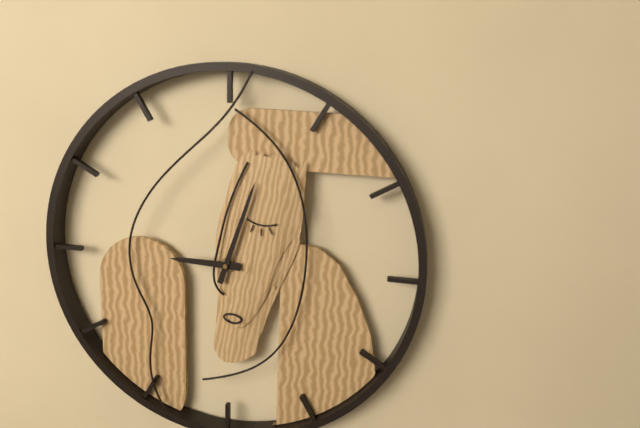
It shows 9:03
